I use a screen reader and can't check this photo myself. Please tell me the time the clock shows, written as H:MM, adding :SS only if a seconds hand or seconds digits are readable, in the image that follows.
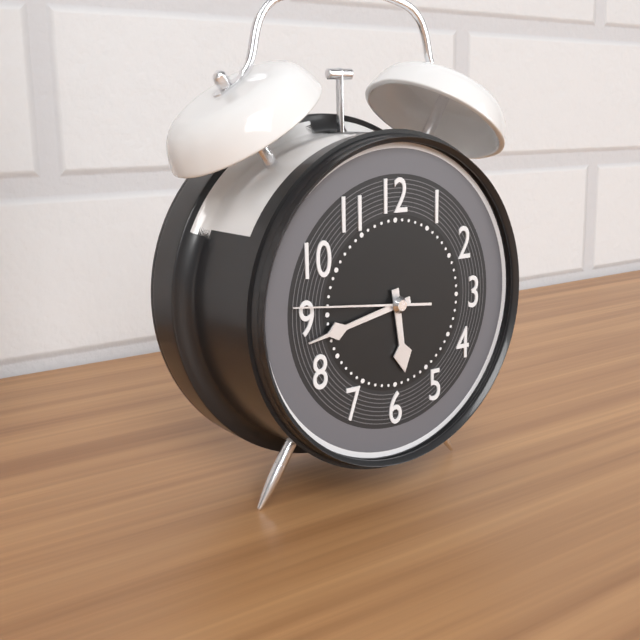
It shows 5:43:46
